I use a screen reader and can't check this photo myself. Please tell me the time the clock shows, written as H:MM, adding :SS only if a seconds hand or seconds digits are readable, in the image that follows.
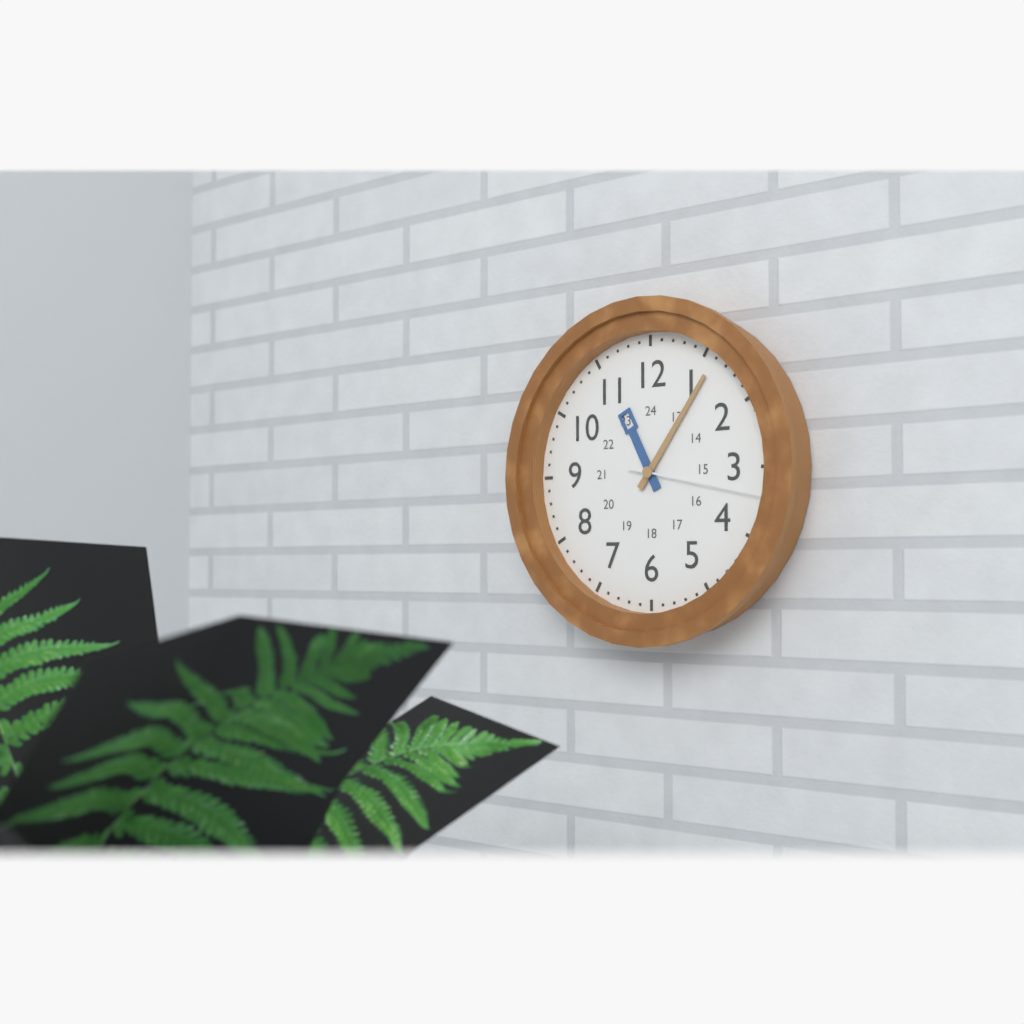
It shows 11:06:17
